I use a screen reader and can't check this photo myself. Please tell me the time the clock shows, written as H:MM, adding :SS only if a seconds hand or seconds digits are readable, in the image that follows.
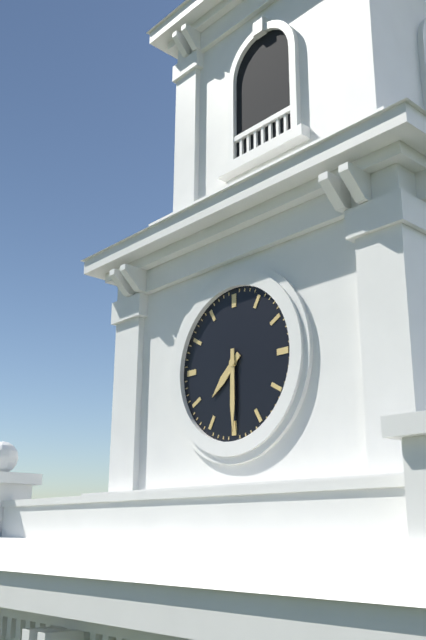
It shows 7:30
